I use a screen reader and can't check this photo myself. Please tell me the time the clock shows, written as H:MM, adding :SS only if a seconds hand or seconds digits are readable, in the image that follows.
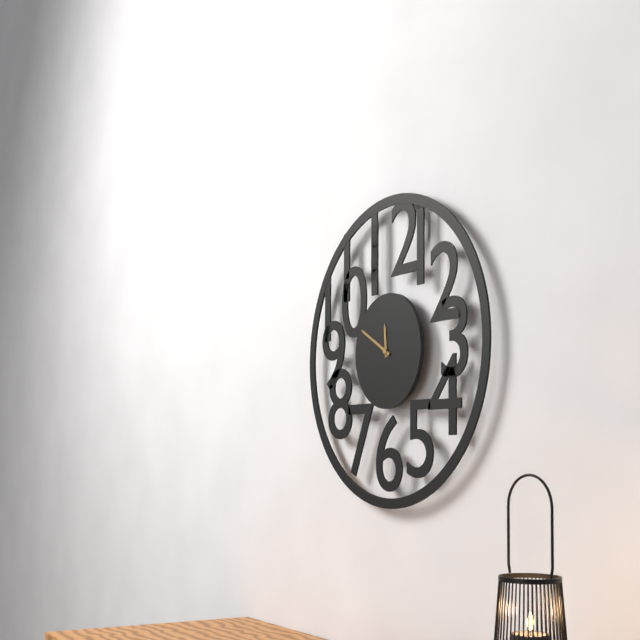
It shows 11:50
